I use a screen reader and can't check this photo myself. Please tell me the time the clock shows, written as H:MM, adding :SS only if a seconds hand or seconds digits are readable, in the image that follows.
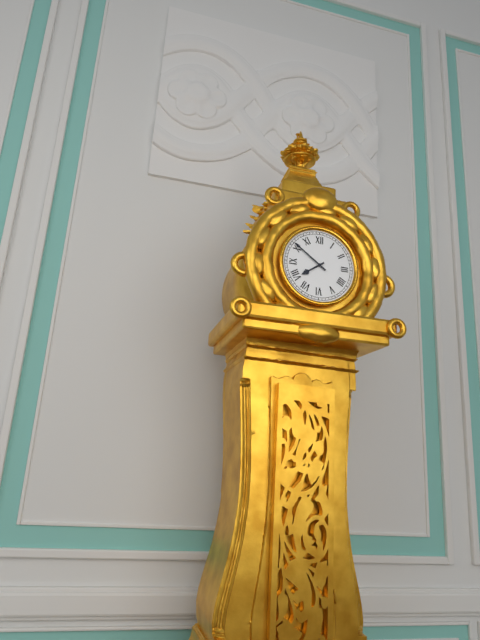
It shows 7:51
